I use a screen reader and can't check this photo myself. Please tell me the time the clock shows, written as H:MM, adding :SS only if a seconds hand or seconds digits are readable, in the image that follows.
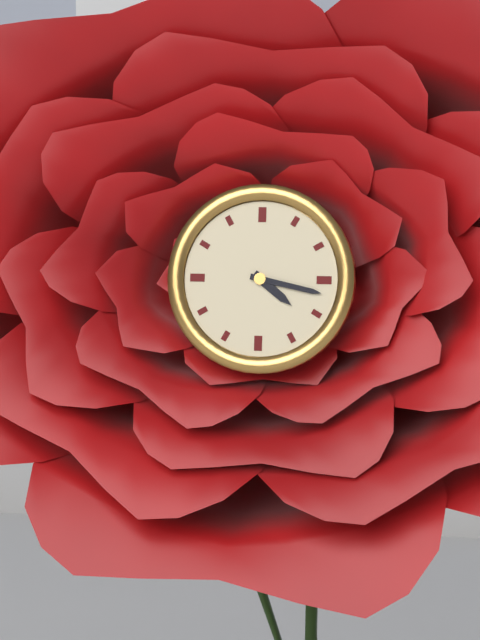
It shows 4:17
